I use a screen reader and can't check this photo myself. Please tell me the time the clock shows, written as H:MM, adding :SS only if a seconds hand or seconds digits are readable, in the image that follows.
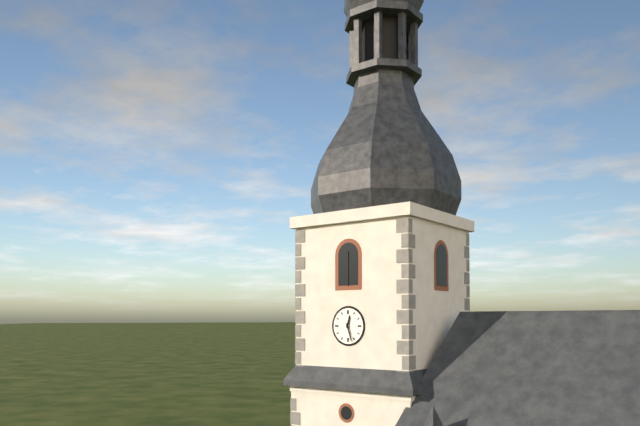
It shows 12:27
